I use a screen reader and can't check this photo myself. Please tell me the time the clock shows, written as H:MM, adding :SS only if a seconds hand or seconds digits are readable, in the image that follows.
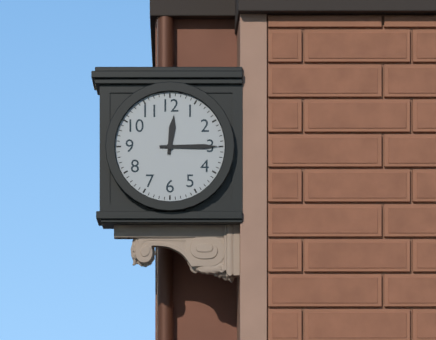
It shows 12:15
